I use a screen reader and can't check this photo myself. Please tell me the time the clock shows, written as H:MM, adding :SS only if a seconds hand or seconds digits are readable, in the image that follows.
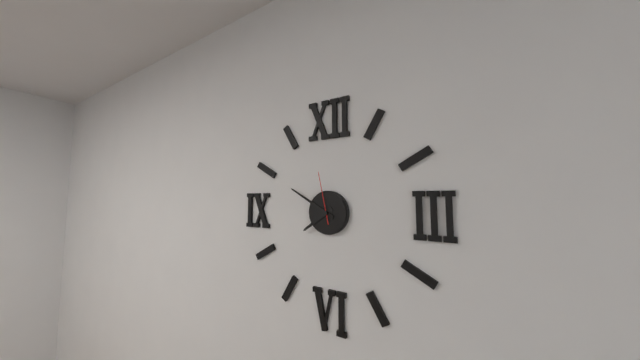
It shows 7:50:58
